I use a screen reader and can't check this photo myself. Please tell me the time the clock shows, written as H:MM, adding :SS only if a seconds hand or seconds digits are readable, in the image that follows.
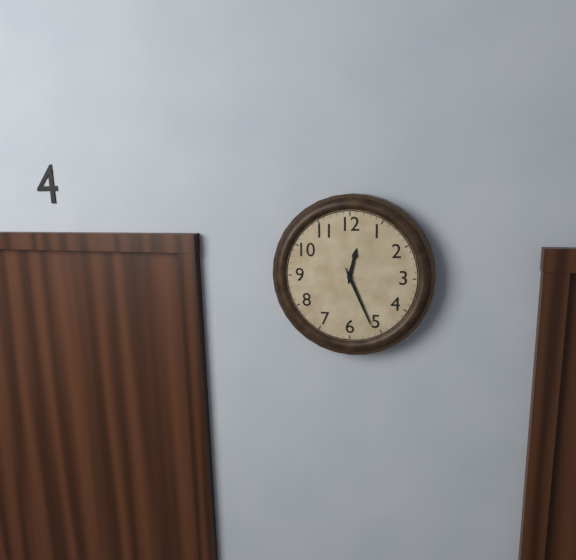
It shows 12:26
